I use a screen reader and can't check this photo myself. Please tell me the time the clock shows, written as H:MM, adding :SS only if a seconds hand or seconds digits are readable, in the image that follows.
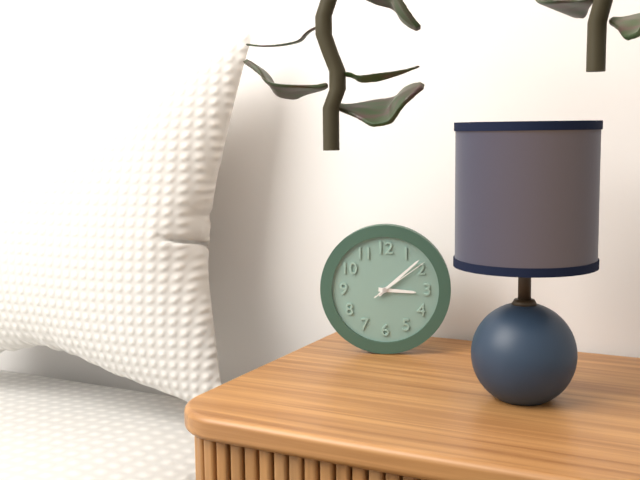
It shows 3:08:09
